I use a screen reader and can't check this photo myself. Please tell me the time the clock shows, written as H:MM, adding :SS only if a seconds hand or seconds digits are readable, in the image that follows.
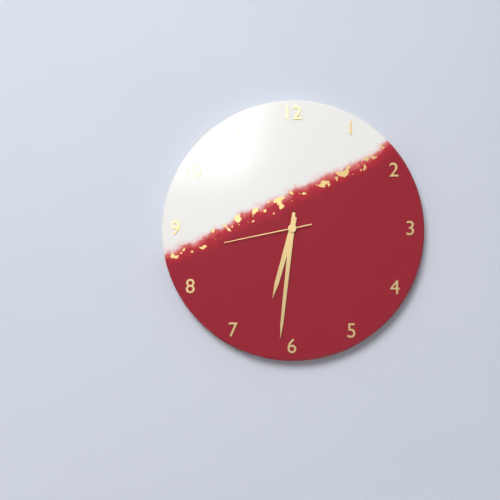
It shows 6:31:43
